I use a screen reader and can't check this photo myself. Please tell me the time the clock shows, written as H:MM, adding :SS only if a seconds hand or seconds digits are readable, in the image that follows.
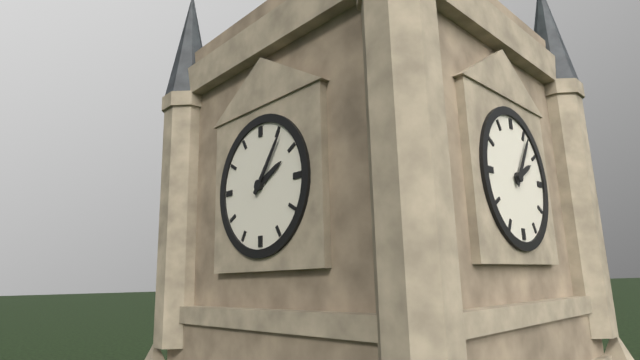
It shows 2:06
